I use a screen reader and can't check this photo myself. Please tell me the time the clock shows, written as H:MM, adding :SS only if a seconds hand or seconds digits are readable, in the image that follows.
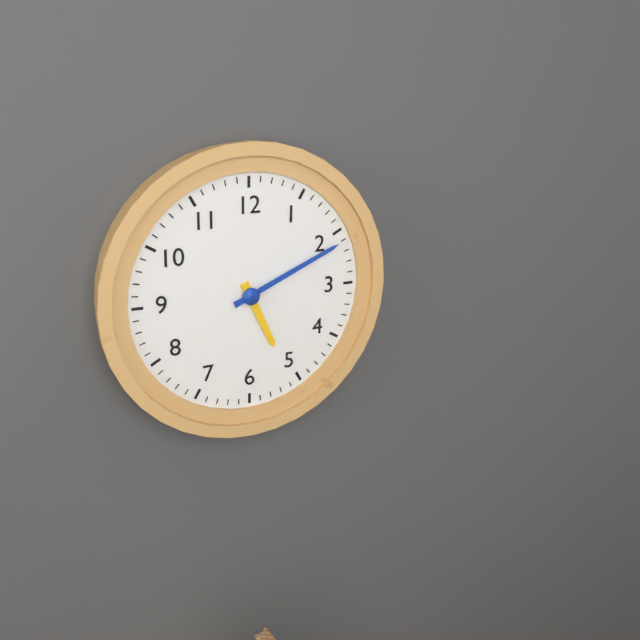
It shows 5:11
